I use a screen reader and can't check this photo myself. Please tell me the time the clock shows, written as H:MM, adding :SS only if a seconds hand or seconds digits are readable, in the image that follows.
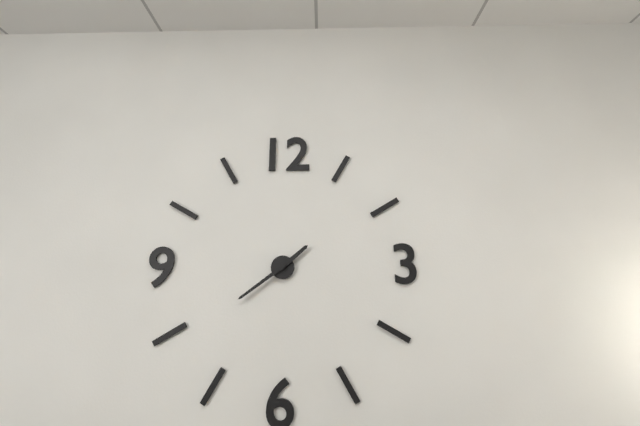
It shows 1:39
